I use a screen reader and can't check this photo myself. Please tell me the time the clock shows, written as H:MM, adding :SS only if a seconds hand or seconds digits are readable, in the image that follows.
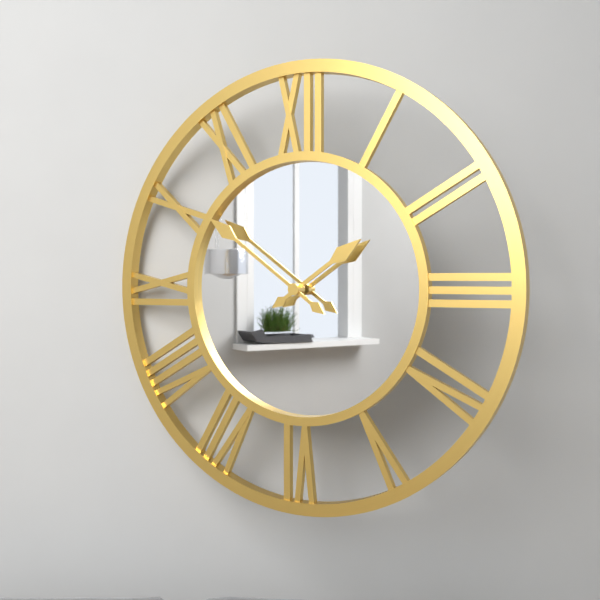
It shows 1:51
